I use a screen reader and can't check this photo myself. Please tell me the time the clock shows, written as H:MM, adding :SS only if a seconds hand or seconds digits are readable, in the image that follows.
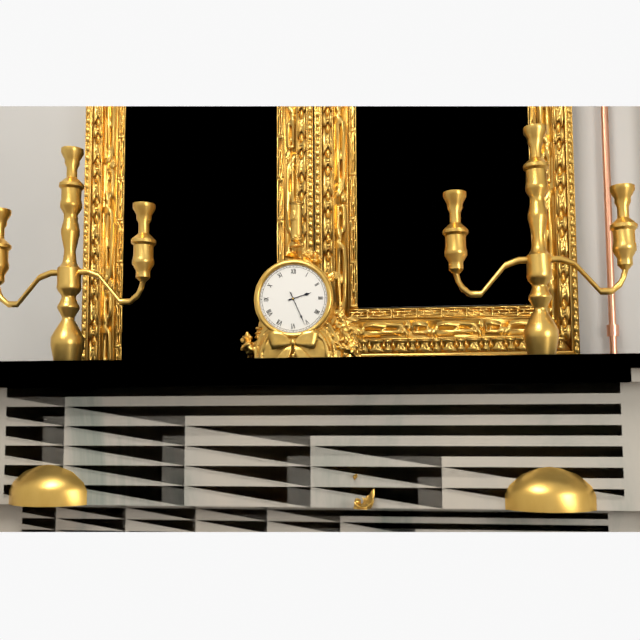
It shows 2:26
